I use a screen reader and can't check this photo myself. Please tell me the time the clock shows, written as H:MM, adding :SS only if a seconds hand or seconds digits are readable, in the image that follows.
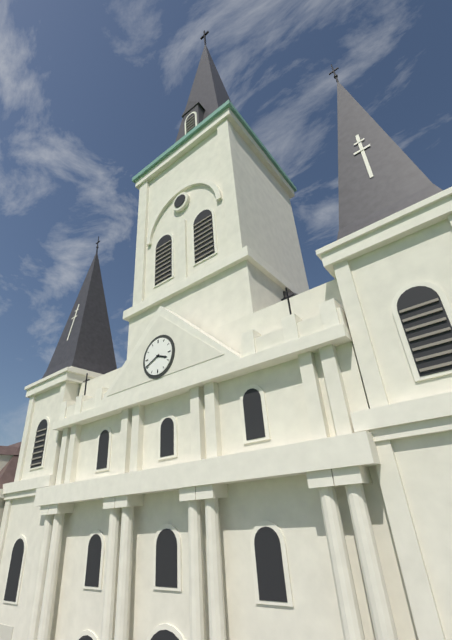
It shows 3:41
